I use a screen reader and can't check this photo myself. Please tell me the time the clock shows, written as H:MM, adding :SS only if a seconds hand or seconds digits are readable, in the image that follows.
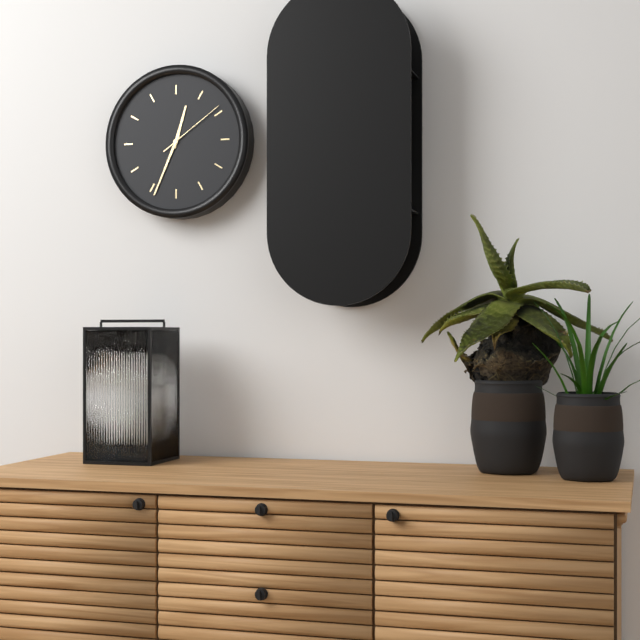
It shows 12:34:09
